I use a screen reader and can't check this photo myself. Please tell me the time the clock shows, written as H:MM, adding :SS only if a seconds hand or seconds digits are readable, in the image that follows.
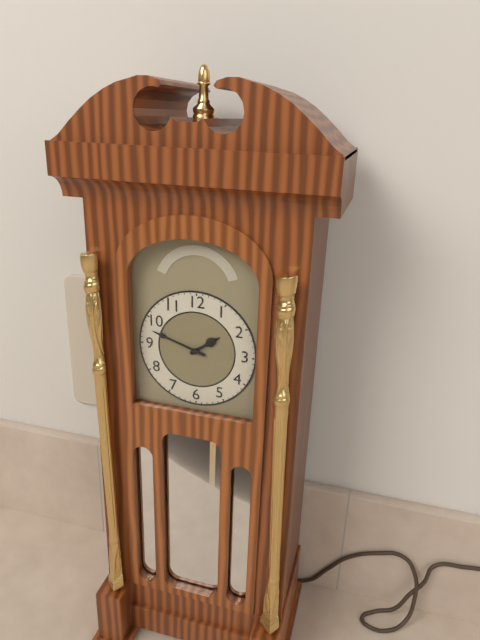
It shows 1:48
